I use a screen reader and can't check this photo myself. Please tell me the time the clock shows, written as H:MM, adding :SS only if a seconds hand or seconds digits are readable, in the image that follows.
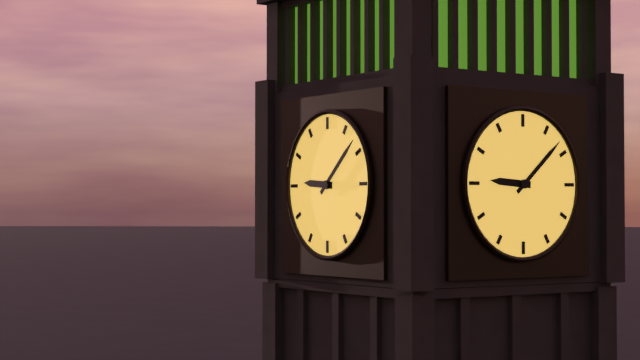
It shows 9:08
